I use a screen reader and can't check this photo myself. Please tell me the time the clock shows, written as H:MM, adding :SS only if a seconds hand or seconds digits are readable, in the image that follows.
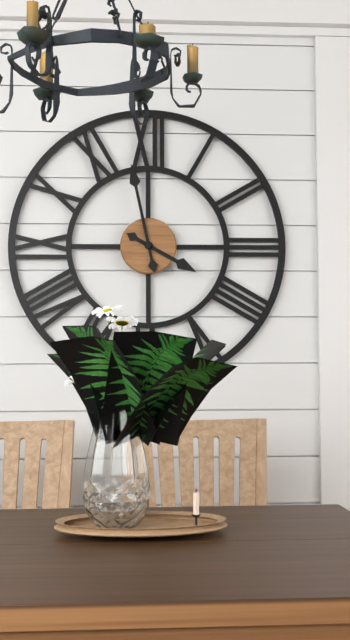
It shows 3:58
